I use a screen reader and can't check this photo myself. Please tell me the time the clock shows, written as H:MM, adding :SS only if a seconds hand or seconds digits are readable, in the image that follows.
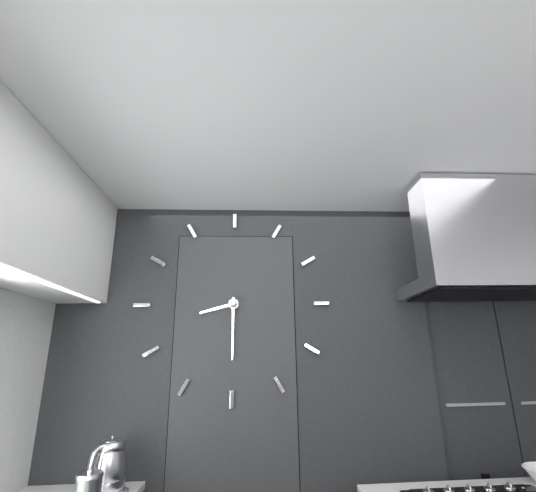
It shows 8:30
